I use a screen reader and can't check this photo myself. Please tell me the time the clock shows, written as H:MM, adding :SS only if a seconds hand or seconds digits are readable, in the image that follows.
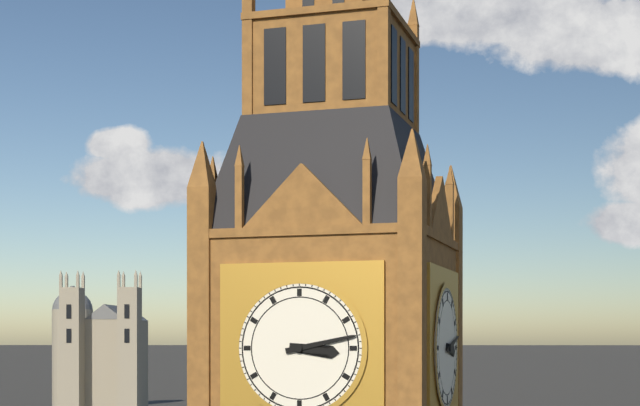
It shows 3:13
